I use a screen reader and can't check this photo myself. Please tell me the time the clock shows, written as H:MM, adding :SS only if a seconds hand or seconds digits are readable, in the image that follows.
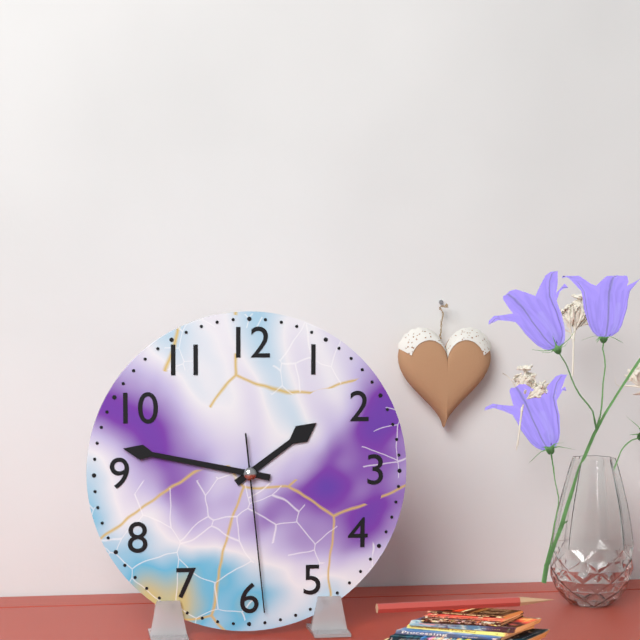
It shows 1:47:29
